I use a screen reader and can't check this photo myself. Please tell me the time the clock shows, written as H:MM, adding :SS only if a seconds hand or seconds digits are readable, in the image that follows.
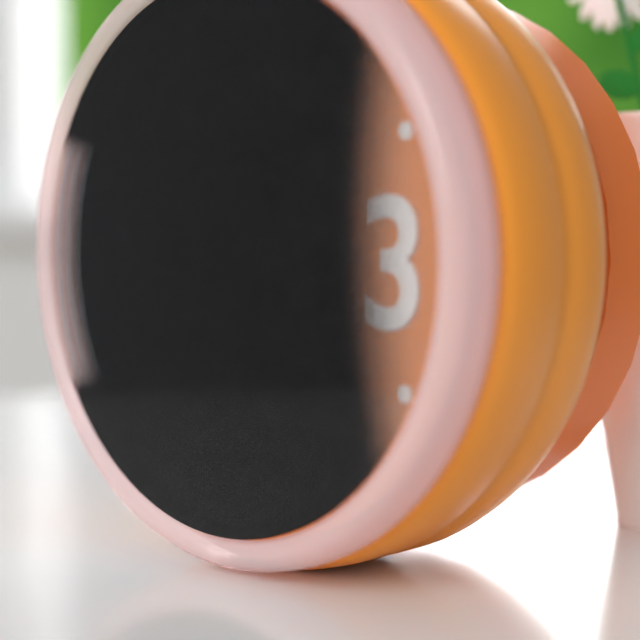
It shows 10:41:31
